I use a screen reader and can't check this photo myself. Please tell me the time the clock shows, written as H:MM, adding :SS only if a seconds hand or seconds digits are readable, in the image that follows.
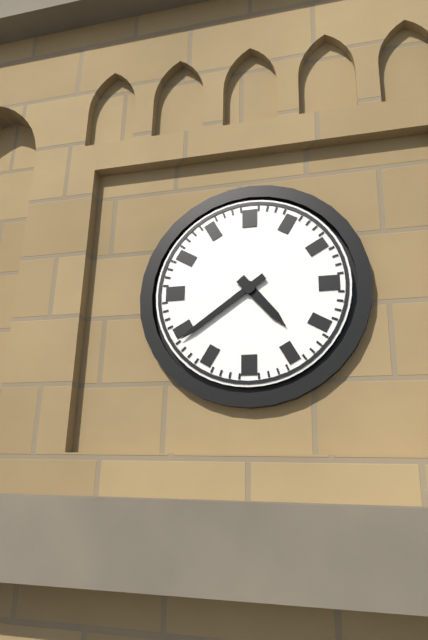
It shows 4:39
